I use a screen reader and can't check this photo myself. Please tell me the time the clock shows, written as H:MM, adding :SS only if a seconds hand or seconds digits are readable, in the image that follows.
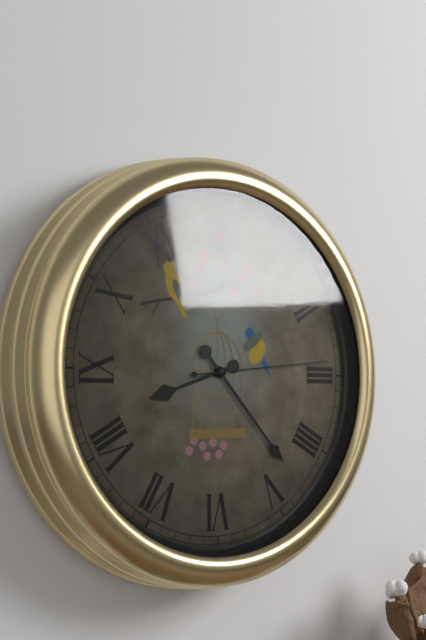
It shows 8:23:14
